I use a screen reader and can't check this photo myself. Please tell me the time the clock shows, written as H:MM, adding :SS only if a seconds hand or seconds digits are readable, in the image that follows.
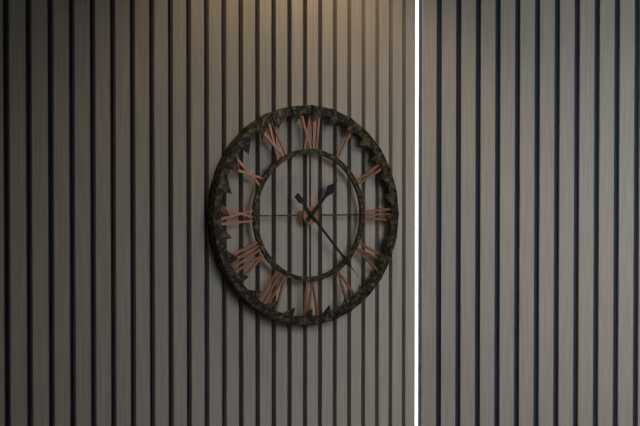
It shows 1:23
